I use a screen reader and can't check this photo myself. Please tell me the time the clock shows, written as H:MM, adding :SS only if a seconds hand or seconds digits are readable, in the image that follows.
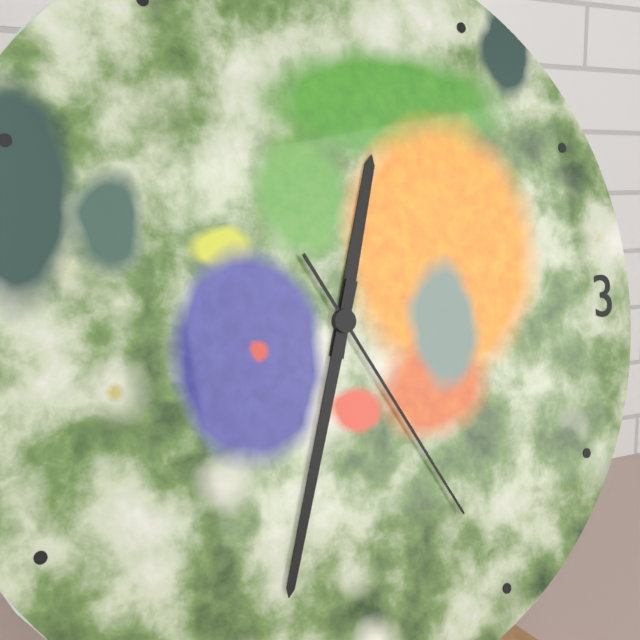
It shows 12:33:25
